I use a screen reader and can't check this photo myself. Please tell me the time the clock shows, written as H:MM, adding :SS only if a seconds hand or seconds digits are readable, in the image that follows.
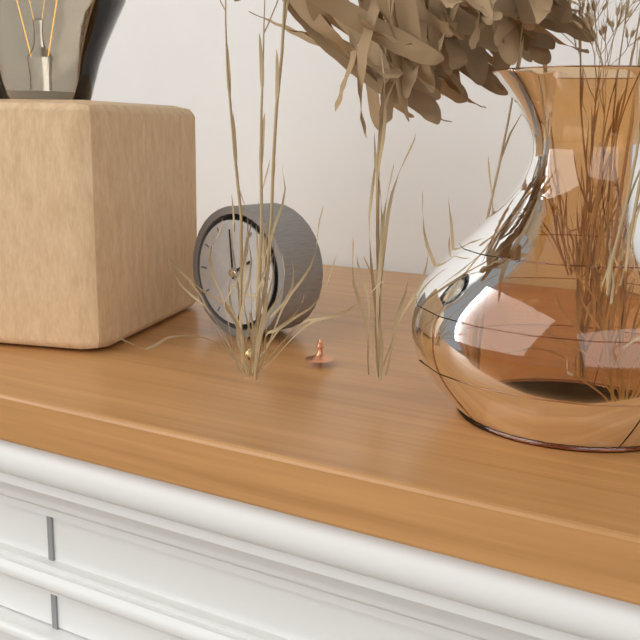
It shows 1:59
